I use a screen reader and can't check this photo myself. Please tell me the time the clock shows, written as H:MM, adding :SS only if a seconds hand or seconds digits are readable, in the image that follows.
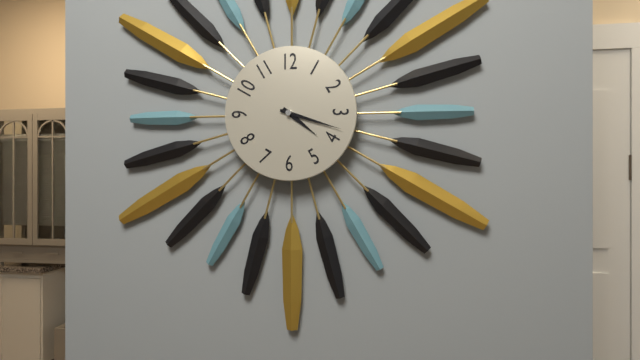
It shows 4:18
